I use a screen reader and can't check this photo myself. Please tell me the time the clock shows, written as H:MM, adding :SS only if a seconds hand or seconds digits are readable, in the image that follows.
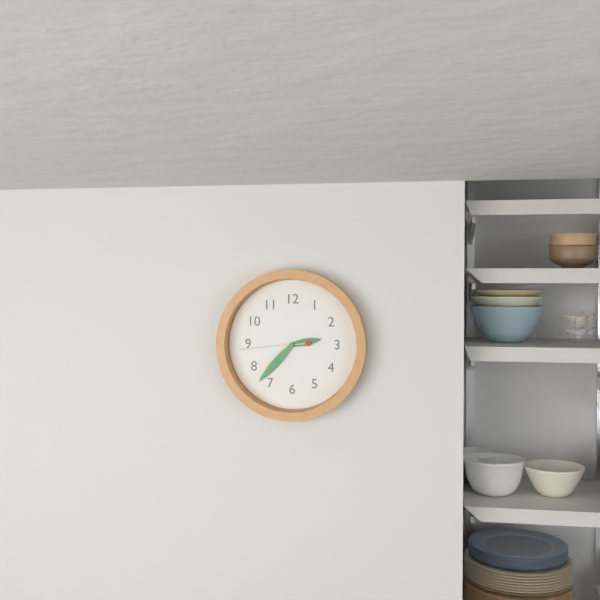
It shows 2:37:44
